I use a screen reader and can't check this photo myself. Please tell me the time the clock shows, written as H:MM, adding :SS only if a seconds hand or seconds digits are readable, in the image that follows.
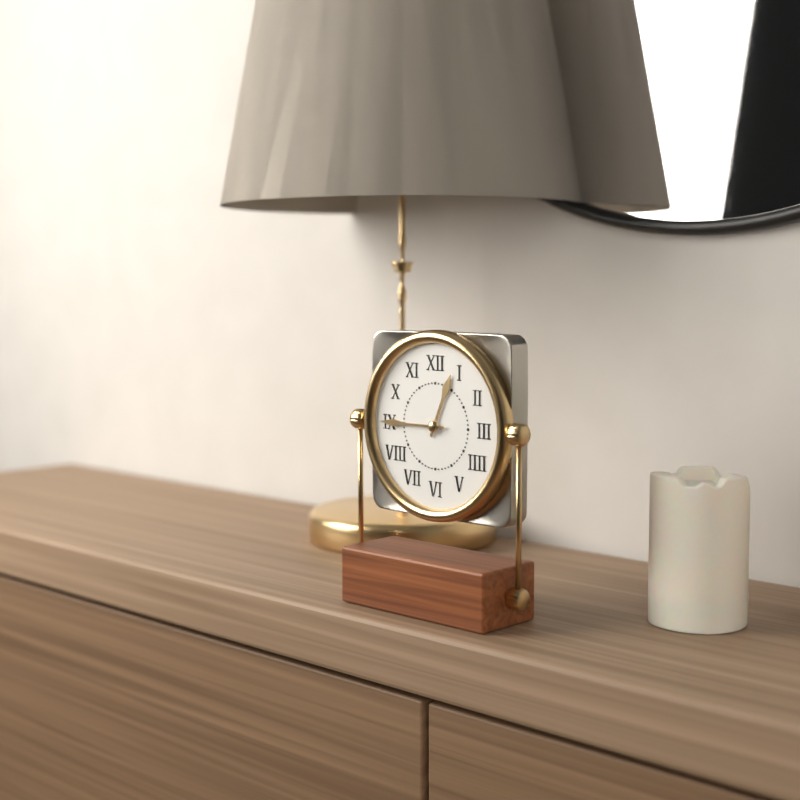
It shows 12:45
